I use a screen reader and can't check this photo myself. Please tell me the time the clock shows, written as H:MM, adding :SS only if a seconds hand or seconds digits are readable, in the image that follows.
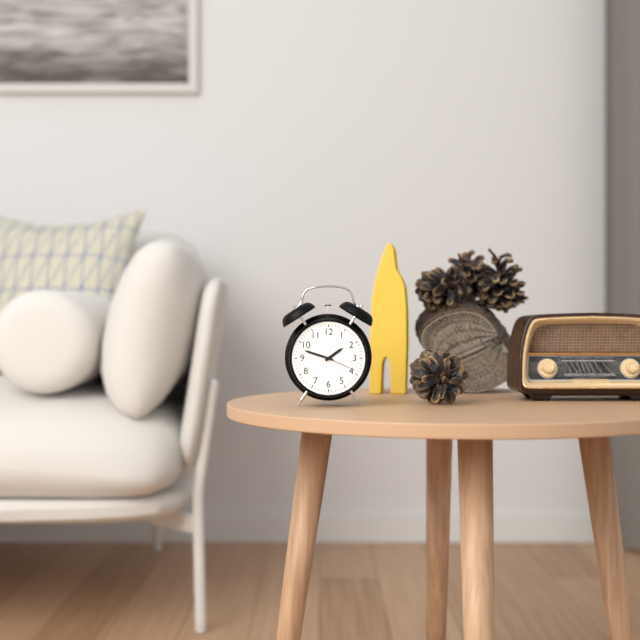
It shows 1:48
